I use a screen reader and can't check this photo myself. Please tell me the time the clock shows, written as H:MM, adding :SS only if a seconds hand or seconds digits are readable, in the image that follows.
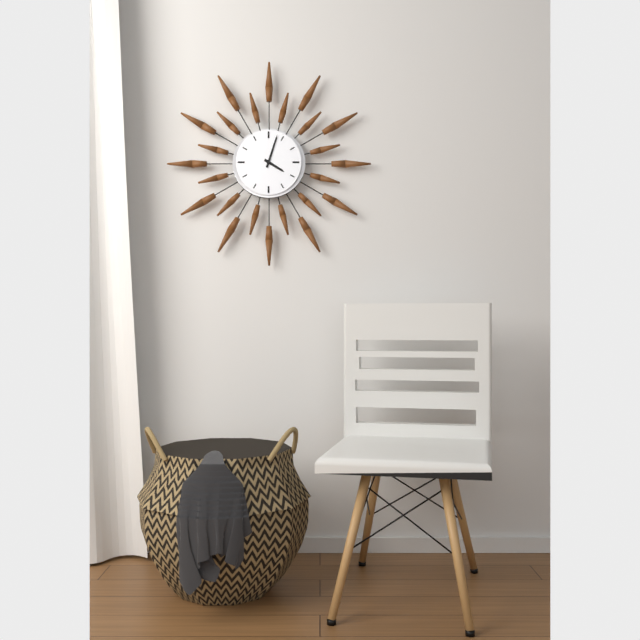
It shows 4:03
